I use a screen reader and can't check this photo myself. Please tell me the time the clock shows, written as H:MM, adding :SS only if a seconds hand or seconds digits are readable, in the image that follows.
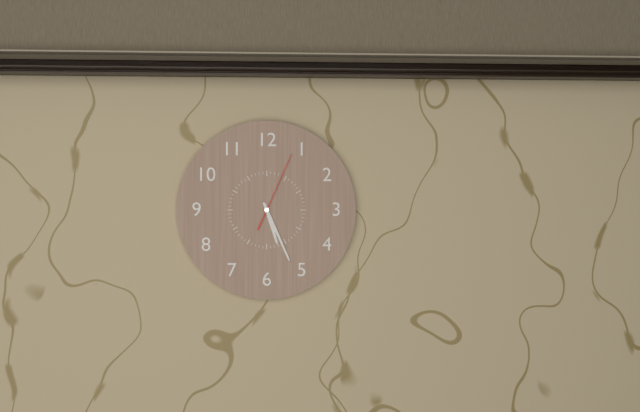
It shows 5:26:04
